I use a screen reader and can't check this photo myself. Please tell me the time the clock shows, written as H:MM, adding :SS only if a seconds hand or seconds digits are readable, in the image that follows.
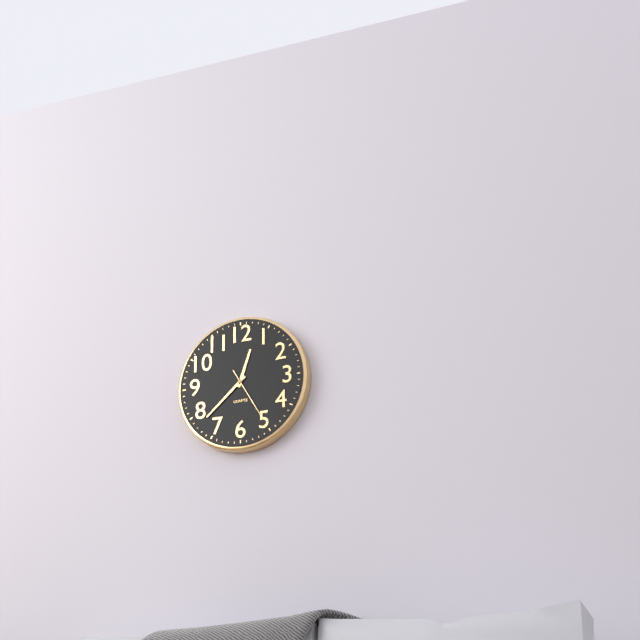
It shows 12:38
